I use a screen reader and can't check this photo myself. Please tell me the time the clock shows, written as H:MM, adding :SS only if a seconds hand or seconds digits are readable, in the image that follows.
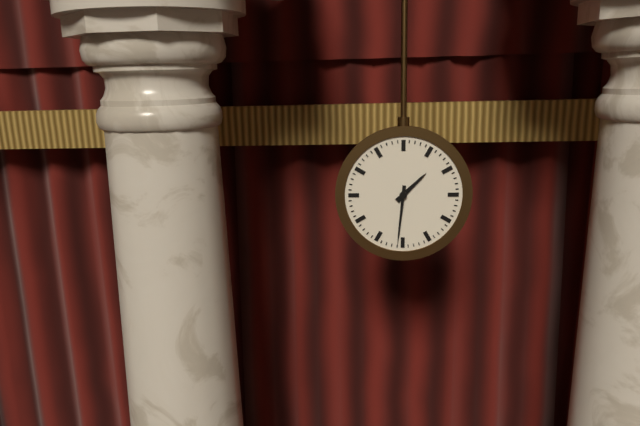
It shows 1:31
